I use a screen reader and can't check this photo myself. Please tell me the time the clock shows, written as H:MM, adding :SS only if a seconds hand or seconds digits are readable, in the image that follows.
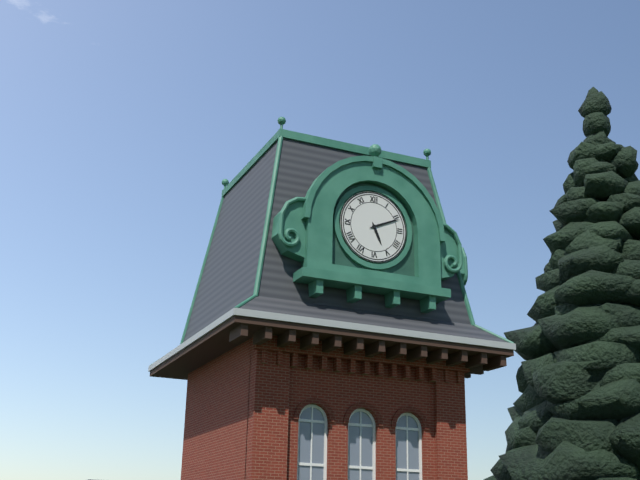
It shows 5:11
